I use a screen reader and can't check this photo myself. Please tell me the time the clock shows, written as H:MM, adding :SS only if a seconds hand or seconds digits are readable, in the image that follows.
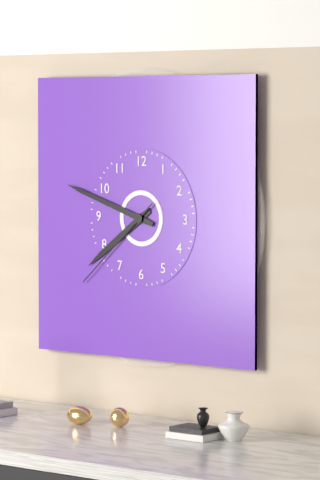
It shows 7:48:38
